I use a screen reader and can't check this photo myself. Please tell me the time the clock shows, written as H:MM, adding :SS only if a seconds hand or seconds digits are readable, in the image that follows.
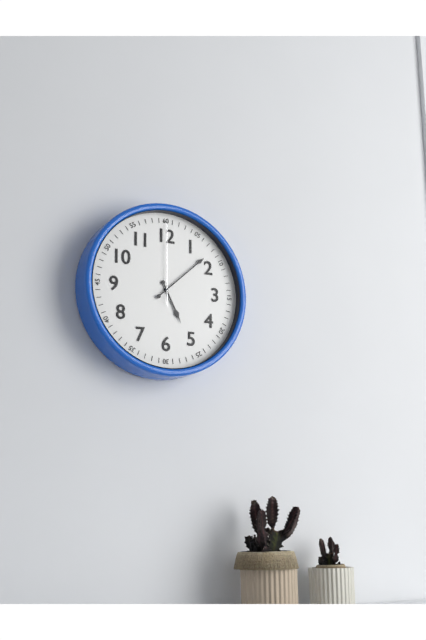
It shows 5:08:00
